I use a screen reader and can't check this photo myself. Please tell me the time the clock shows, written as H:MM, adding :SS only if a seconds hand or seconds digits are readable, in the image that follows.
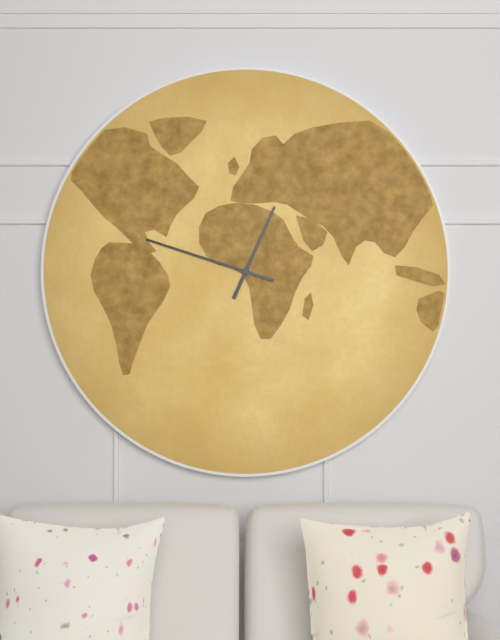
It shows 12:48
